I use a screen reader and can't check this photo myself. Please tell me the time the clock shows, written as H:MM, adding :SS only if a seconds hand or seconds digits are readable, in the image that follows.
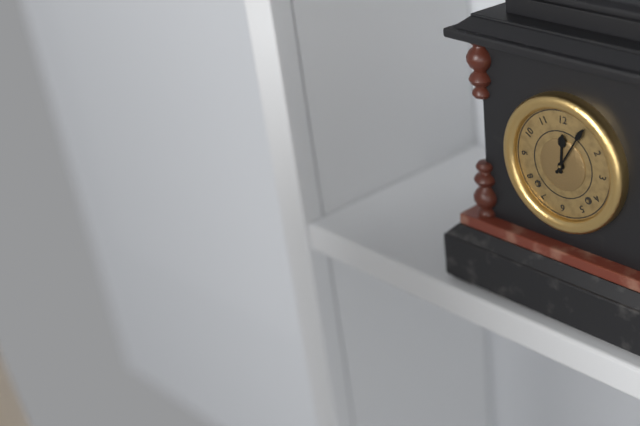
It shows 12:05
